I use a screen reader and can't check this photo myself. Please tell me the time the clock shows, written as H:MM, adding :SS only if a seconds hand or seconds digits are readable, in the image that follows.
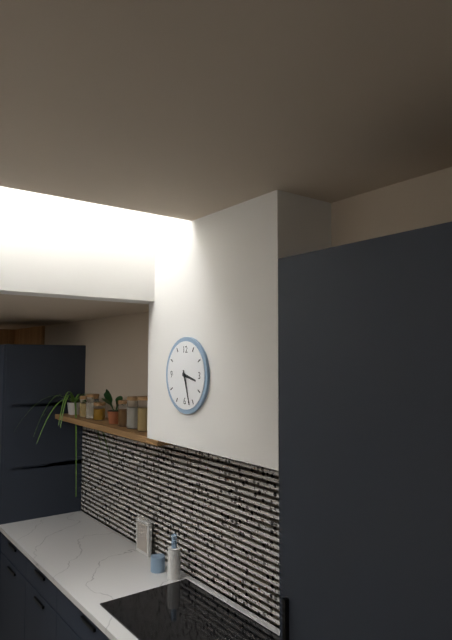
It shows 3:27
